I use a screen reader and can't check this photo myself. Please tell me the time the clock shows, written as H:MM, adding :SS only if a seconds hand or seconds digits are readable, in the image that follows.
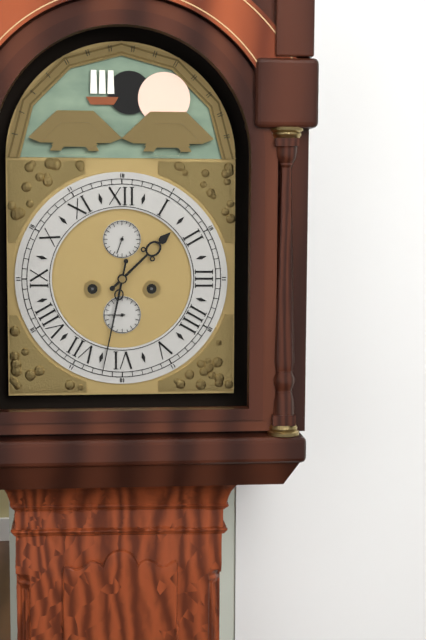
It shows 1:32
